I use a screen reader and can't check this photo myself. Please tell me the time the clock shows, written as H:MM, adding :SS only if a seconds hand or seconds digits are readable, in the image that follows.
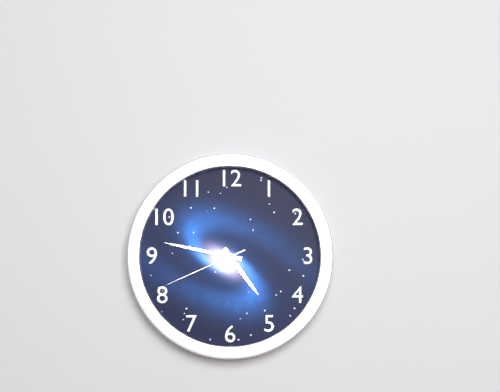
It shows 4:47:41
